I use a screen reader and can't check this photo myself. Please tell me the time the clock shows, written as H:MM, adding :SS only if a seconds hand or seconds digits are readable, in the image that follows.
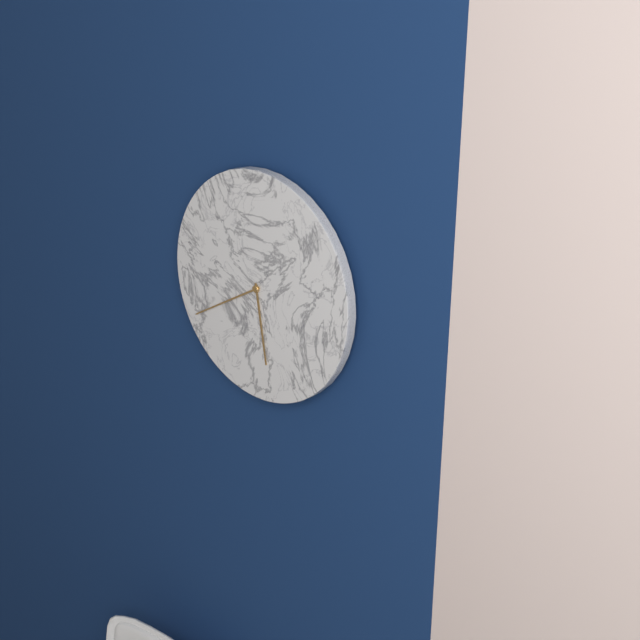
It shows 5:40
